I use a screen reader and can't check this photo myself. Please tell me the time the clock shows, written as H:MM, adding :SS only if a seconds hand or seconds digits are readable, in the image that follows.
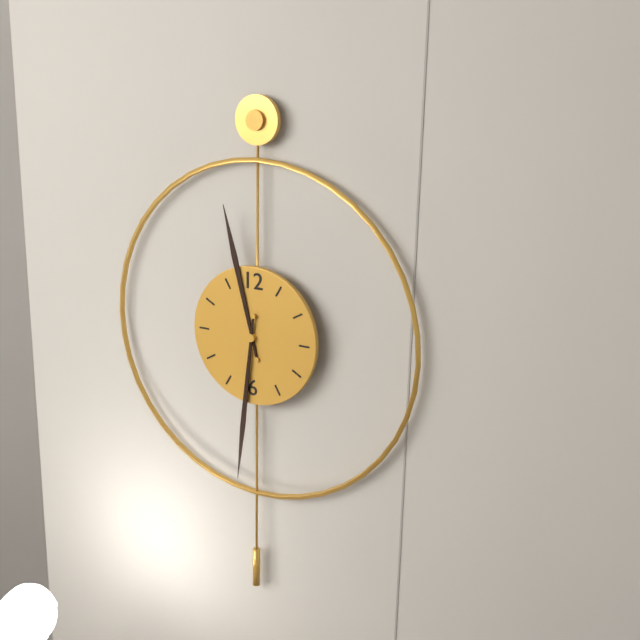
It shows 11:31
